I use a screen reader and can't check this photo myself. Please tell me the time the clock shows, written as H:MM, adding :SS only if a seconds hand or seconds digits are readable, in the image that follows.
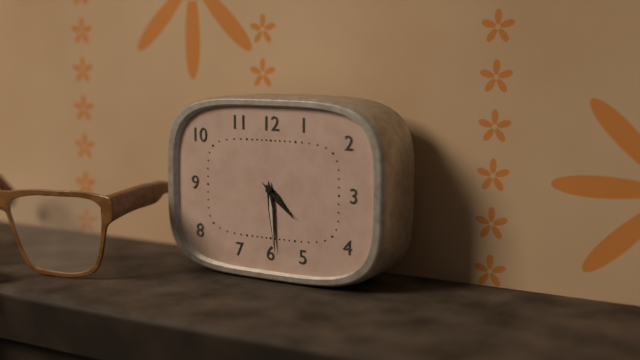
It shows 4:29
